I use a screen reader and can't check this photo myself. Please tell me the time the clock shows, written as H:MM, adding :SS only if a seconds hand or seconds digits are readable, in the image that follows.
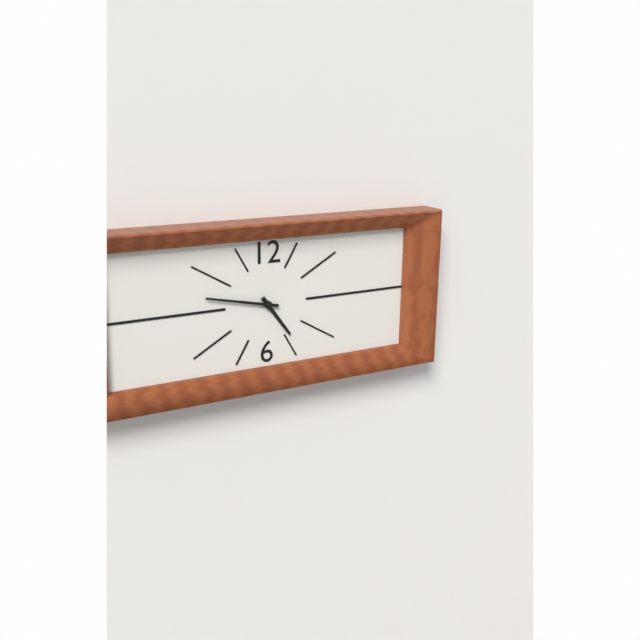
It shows 4:47
